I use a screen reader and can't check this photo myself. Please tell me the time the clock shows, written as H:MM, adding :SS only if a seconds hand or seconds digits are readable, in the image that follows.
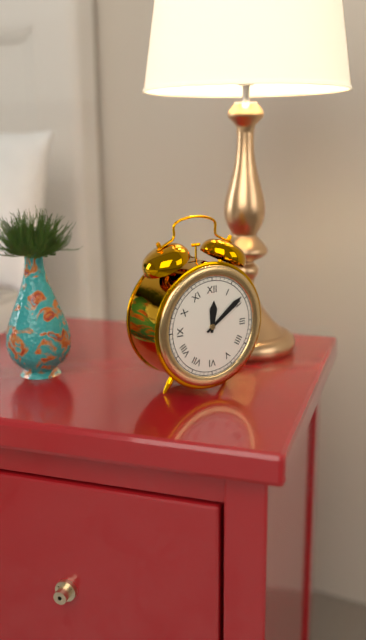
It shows 12:09
